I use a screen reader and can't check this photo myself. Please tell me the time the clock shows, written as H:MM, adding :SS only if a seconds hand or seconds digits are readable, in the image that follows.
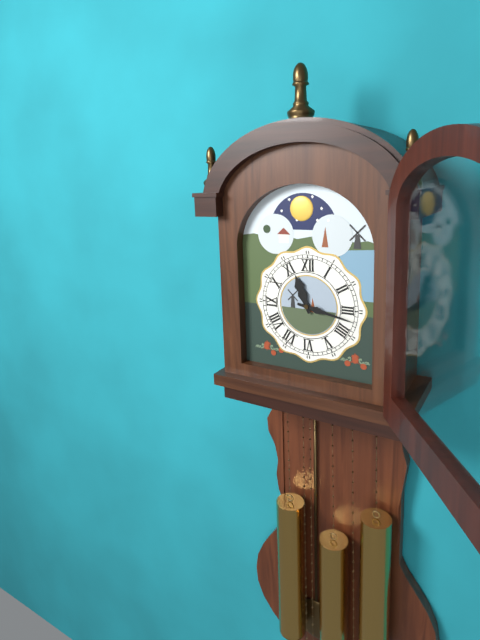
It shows 11:17
